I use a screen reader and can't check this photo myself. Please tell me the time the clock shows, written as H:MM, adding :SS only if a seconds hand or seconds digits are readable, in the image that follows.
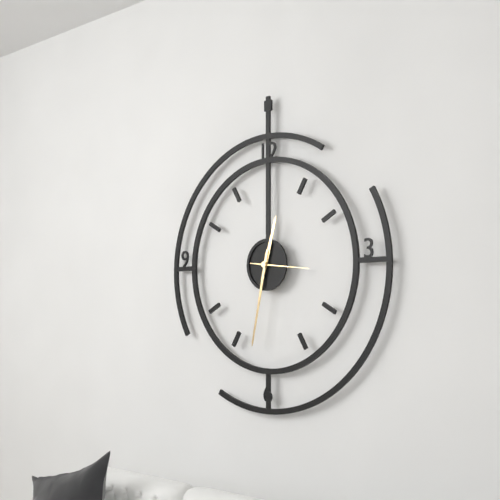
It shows 12:32:16
